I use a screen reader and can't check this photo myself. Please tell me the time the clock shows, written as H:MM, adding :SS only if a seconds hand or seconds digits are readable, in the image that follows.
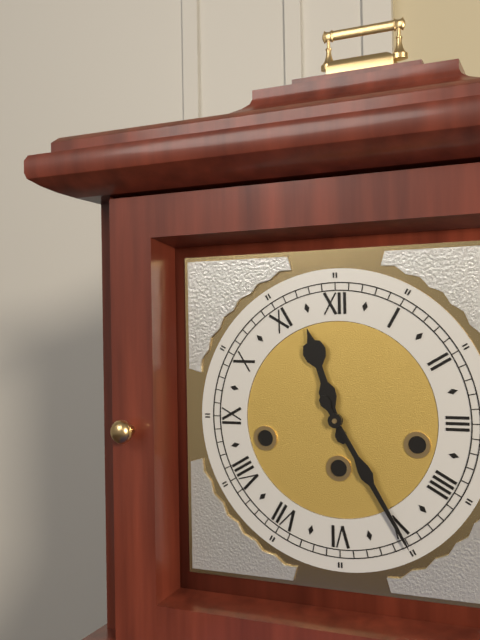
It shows 11:25
